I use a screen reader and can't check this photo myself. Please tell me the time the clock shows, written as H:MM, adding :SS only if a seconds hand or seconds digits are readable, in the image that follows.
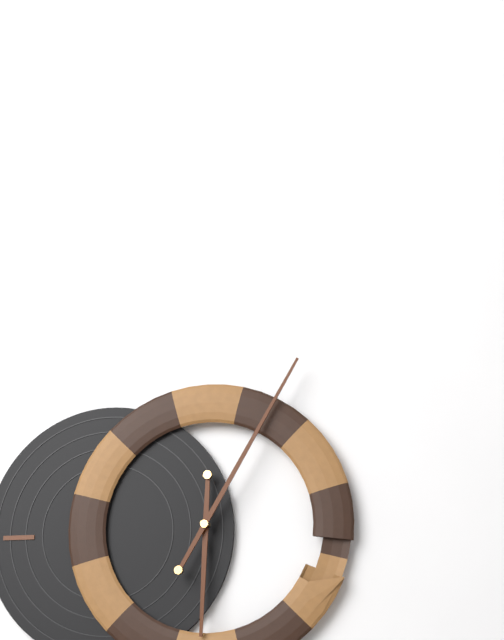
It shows 6:05
